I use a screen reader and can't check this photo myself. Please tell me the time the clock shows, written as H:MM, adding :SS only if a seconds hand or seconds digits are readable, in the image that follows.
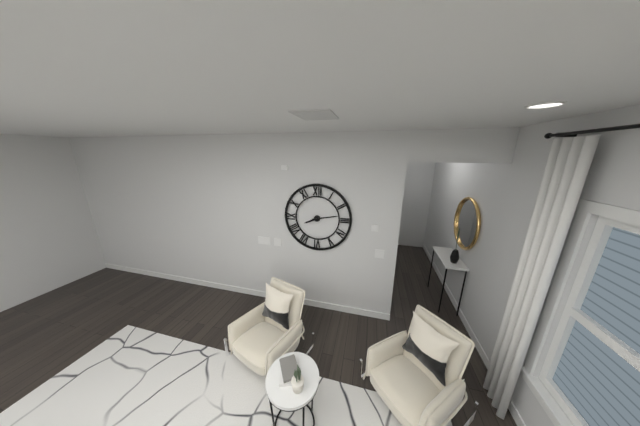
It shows 8:13
